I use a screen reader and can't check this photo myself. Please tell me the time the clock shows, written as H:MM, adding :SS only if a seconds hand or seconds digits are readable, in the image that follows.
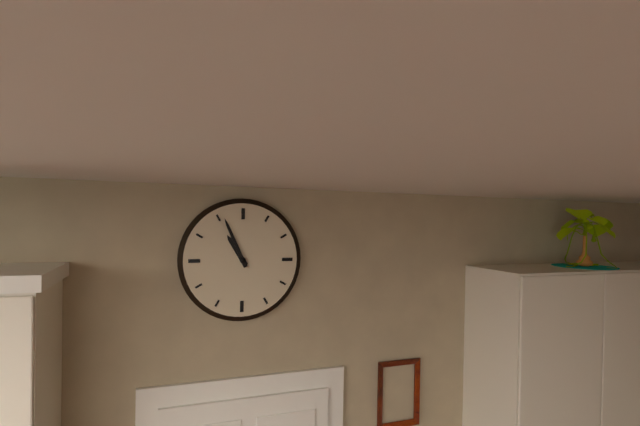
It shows 10:56
